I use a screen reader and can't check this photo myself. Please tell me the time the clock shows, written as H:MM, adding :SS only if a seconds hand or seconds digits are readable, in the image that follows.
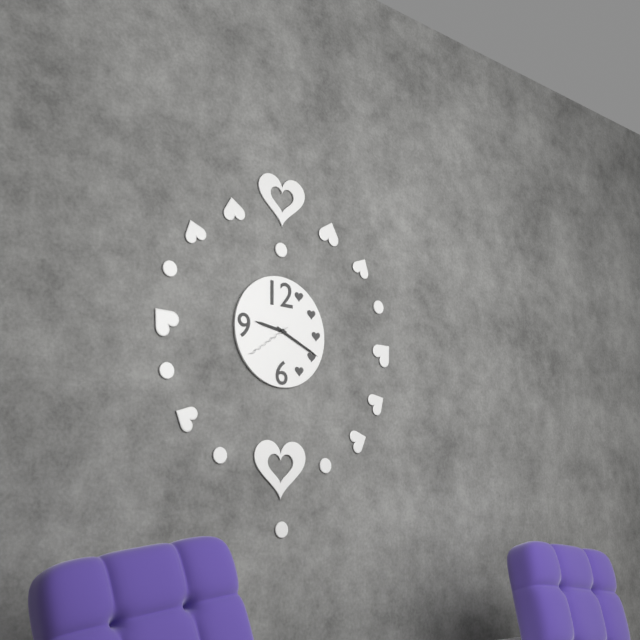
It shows 9:19
